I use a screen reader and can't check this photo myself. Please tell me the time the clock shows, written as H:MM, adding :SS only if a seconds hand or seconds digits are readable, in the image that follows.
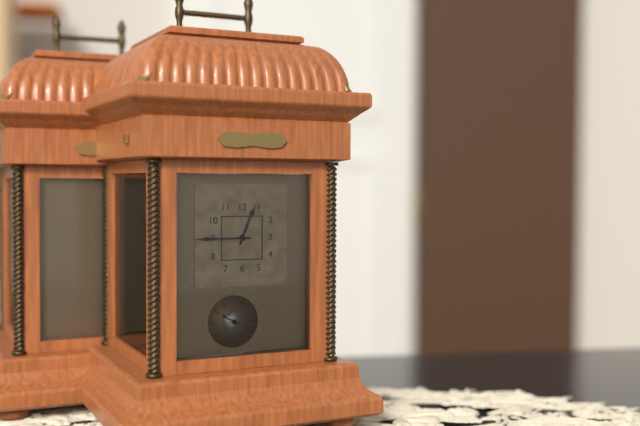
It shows 12:45
